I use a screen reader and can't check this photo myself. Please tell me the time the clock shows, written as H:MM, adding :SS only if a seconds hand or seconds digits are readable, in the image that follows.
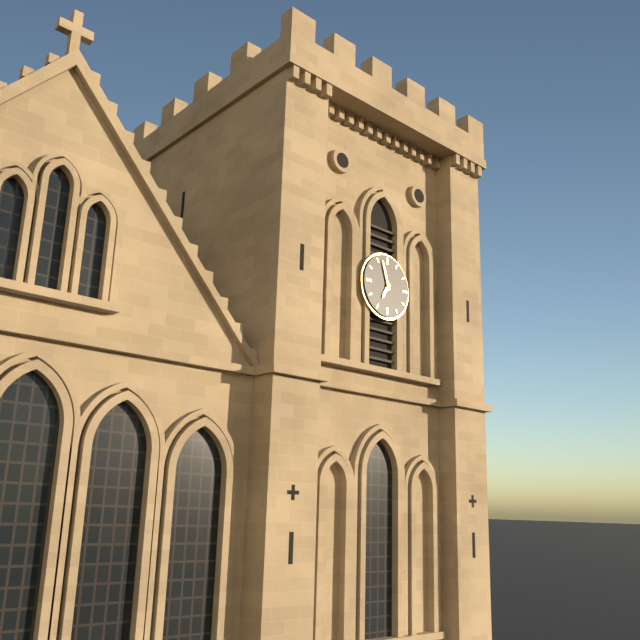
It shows 6:57
